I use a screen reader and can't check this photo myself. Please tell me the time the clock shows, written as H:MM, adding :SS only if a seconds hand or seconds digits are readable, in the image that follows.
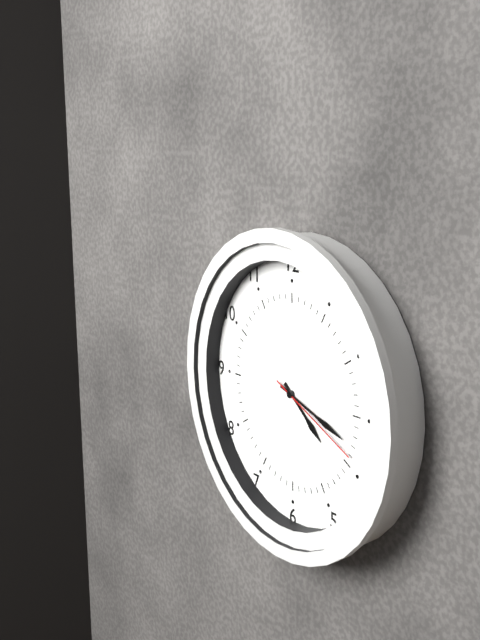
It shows 4:18:19
